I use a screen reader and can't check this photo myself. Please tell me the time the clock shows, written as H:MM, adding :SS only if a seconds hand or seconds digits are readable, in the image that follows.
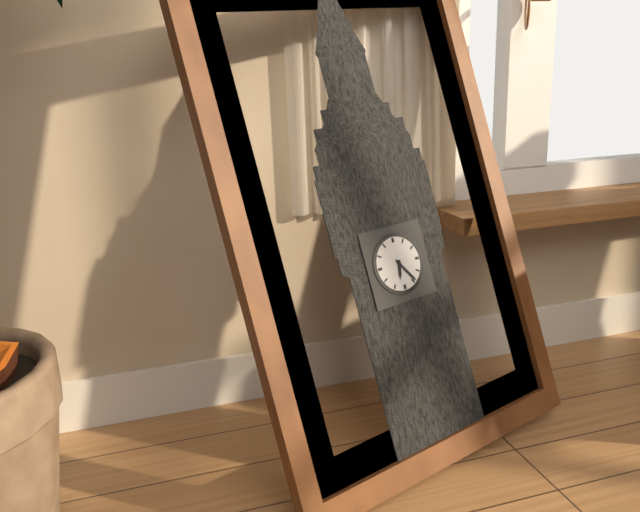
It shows 6:24
